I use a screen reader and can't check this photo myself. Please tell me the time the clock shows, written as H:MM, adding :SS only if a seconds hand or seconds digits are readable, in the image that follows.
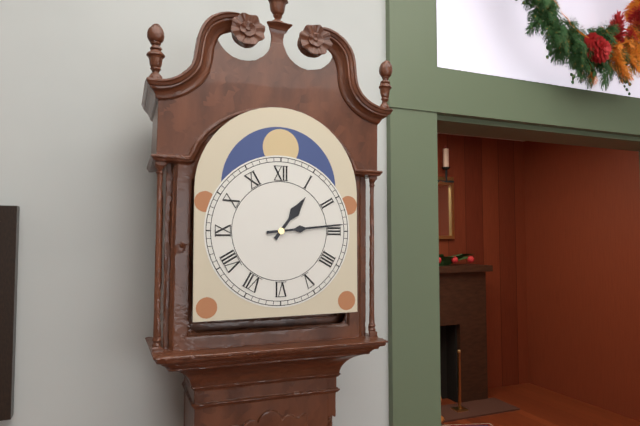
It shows 1:14
